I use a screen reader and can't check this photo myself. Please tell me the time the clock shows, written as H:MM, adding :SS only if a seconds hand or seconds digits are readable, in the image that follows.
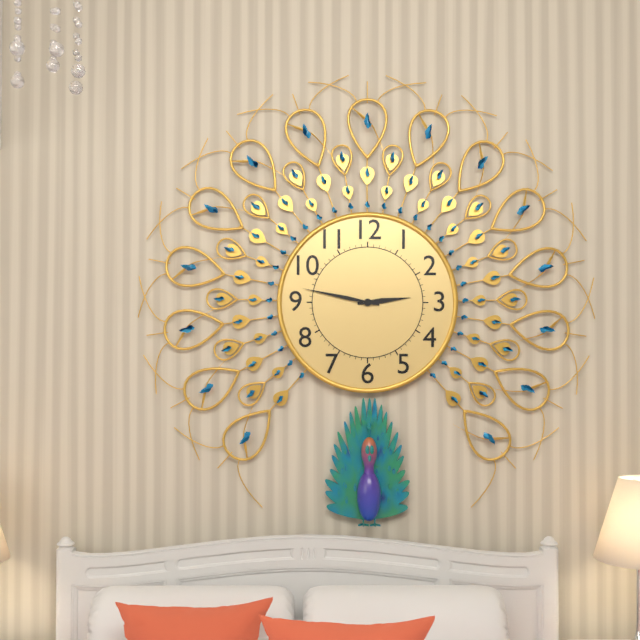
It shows 2:47
